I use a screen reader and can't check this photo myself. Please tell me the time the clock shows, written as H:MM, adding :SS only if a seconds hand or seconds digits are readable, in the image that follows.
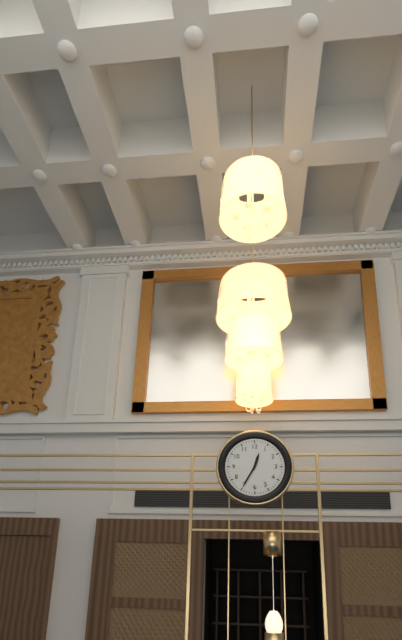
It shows 12:35
